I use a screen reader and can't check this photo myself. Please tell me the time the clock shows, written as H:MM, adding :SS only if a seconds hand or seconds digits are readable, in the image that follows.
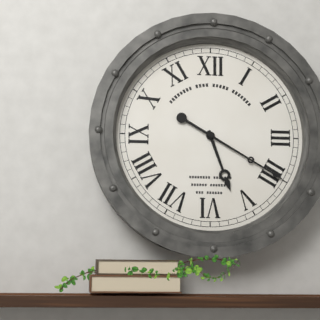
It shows 5:20
